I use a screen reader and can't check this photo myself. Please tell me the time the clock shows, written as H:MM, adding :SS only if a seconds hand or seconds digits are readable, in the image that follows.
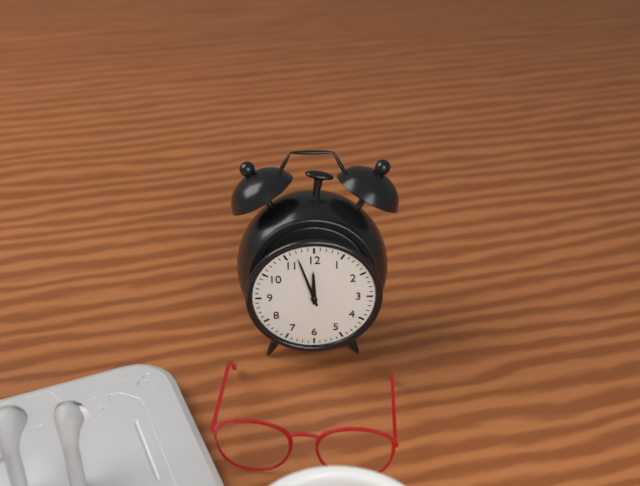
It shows 11:57
